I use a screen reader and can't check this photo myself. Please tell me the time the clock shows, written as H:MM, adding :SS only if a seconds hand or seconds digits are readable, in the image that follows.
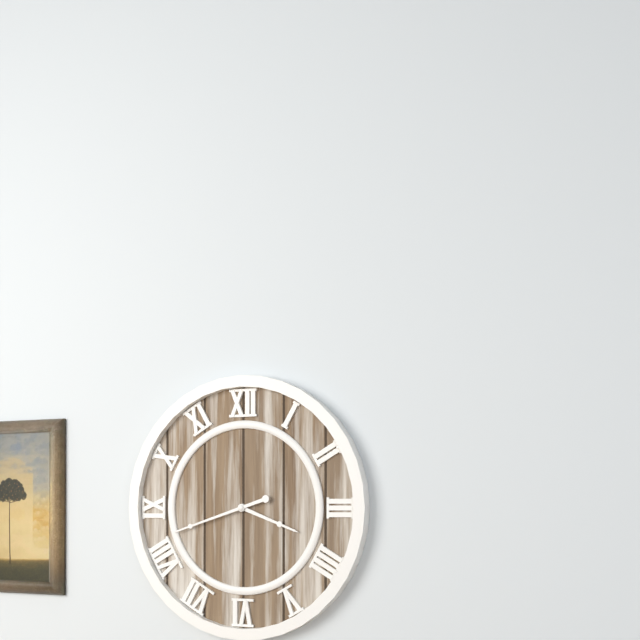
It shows 3:42
